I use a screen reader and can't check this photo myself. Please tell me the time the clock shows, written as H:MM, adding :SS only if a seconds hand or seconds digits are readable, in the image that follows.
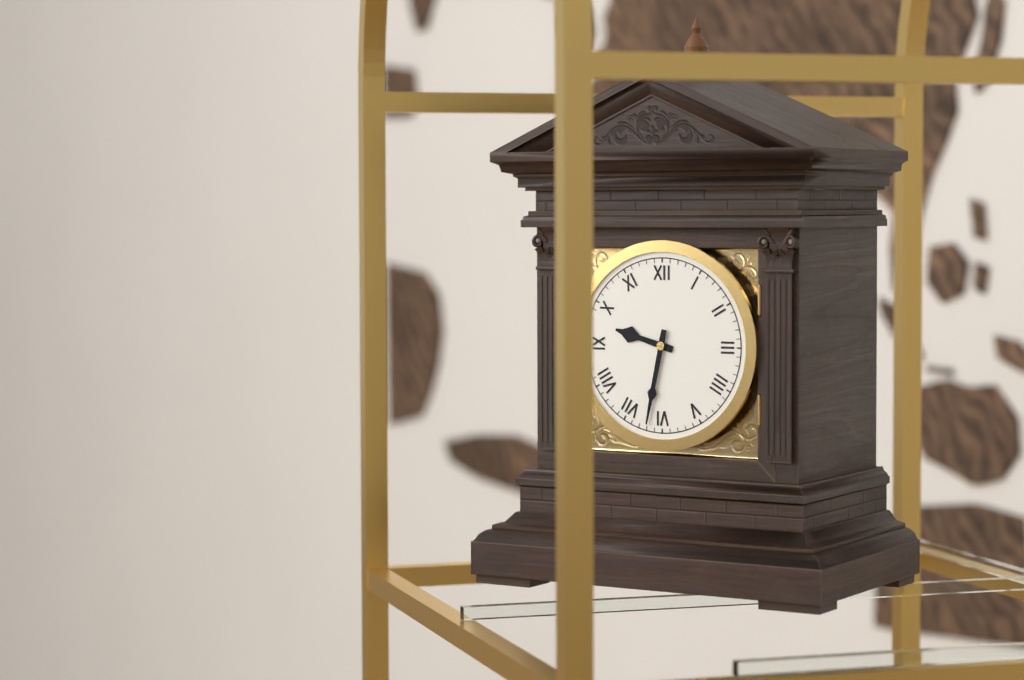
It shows 9:32
